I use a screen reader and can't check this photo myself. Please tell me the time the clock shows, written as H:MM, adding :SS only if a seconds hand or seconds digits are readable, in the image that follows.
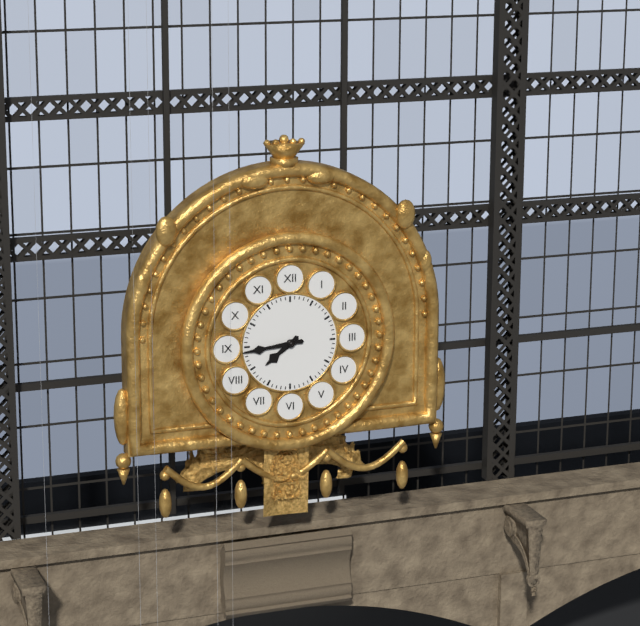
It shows 7:44
